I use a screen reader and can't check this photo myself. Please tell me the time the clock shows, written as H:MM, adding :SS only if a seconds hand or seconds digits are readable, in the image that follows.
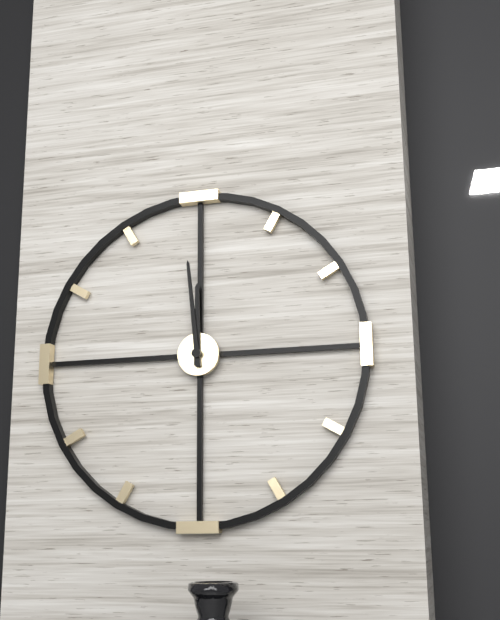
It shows 11:59
